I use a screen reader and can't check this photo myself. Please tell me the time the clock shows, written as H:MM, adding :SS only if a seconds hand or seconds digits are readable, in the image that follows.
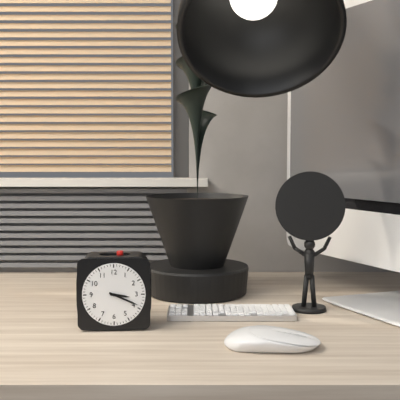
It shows 3:19
